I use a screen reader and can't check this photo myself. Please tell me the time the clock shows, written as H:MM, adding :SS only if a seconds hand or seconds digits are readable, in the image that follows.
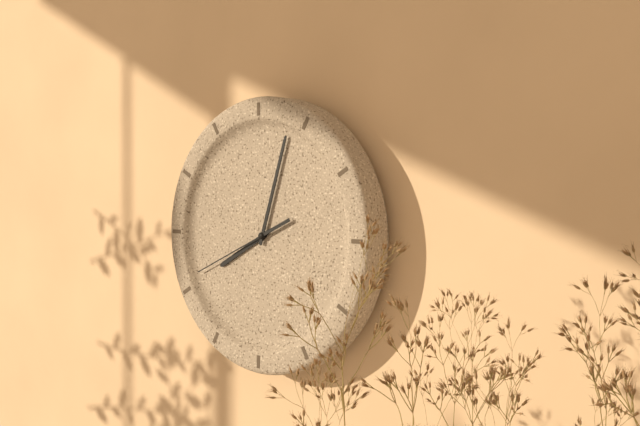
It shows 8:03:41
